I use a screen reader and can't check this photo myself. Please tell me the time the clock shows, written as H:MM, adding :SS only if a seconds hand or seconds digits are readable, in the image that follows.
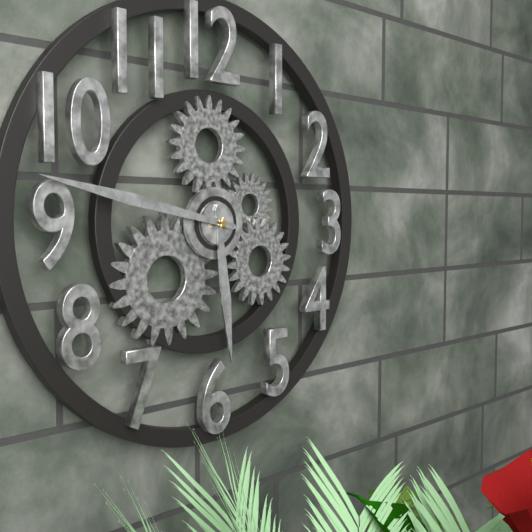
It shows 5:47
